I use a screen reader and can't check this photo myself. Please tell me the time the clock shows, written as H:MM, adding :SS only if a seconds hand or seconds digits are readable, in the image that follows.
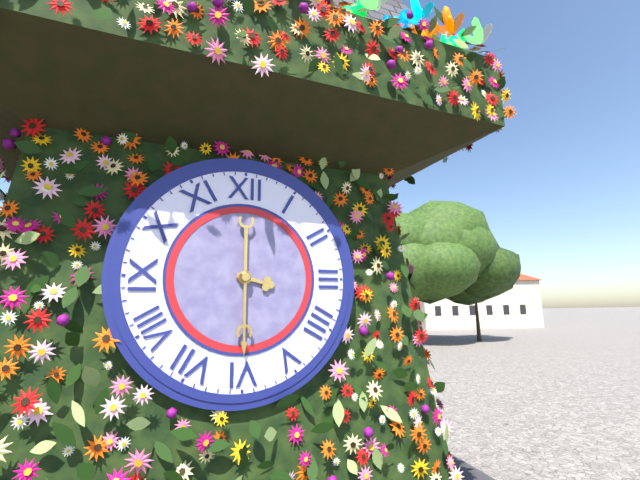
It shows 3:30
